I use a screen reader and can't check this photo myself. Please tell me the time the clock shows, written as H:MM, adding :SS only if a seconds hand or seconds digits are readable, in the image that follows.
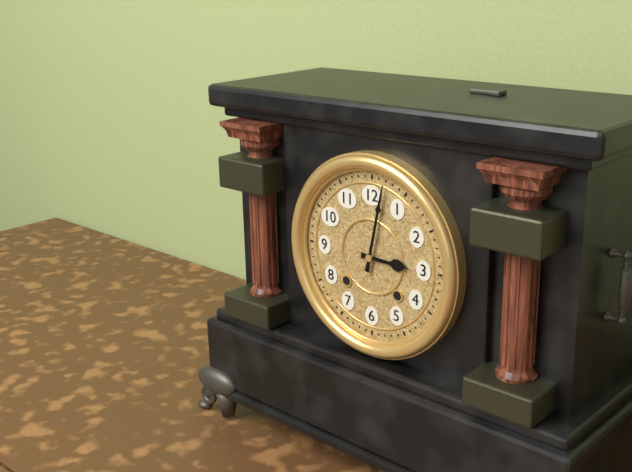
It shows 3:02
